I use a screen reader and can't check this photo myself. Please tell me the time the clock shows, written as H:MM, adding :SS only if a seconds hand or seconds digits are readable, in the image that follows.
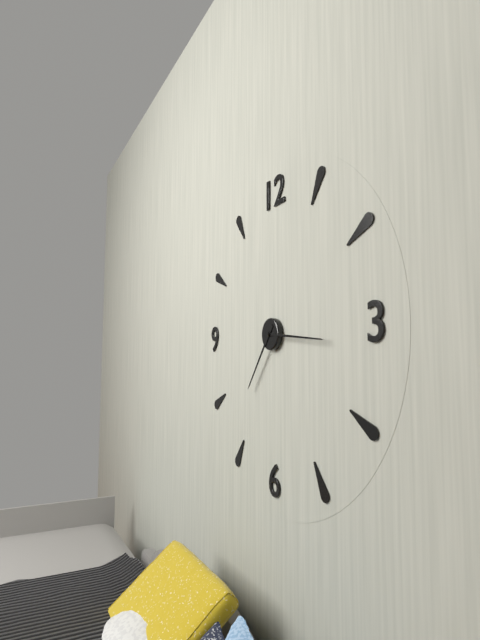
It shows 7:16
